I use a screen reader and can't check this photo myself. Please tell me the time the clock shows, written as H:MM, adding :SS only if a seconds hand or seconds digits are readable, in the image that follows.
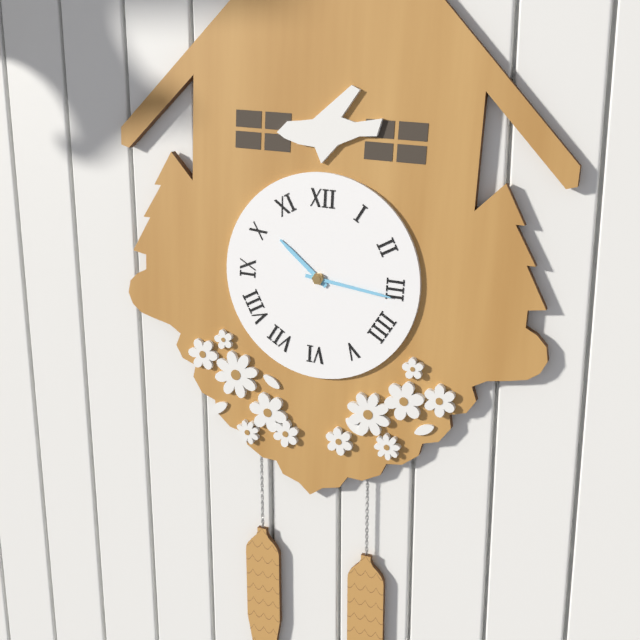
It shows 10:16
